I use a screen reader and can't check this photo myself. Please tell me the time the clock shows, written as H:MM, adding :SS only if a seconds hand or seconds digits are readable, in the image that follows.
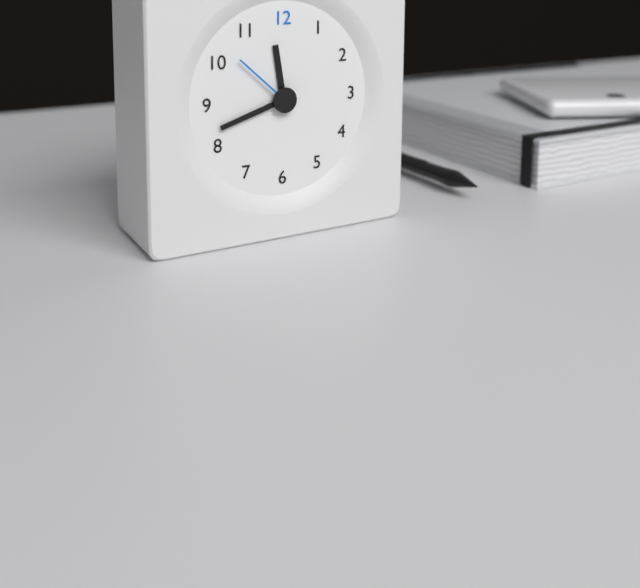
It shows 11:42:52
